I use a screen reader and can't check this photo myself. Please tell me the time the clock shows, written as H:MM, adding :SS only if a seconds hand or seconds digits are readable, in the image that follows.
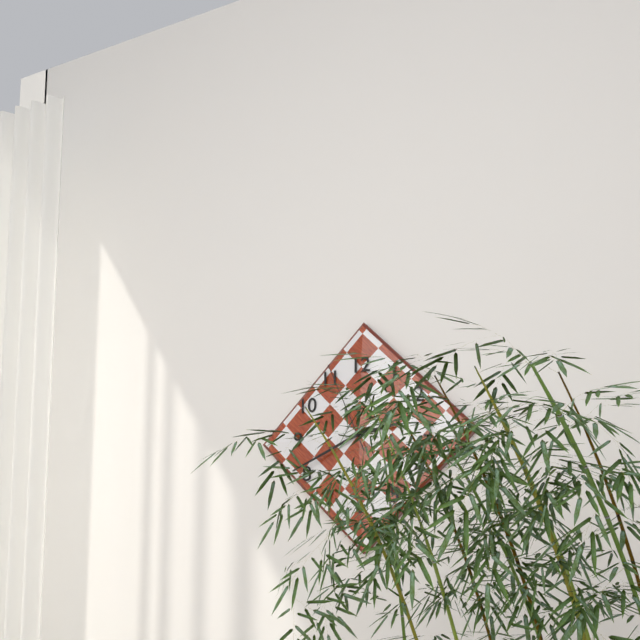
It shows 2:41:56
